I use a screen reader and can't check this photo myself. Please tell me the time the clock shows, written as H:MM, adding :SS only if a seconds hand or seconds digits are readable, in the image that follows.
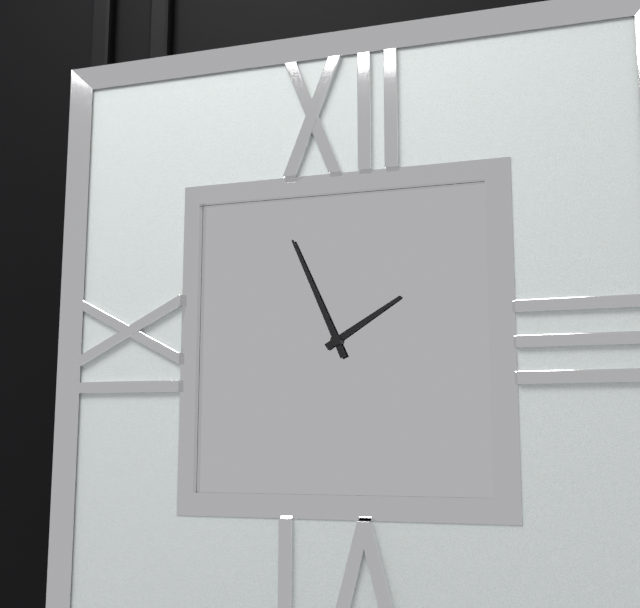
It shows 1:56
